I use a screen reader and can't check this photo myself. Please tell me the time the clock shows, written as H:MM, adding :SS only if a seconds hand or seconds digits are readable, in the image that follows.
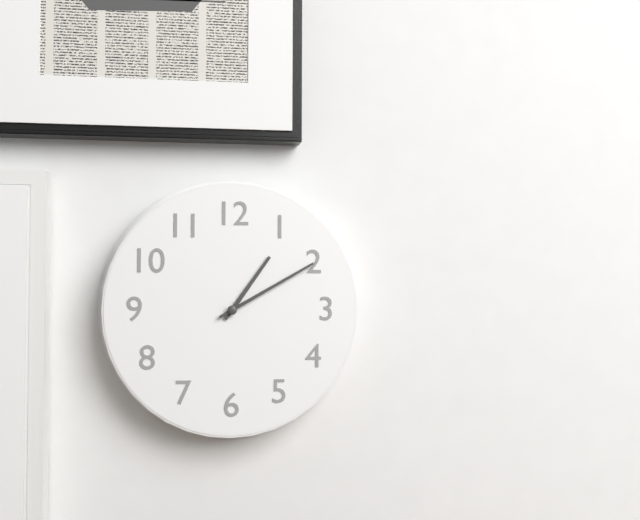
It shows 1:10
